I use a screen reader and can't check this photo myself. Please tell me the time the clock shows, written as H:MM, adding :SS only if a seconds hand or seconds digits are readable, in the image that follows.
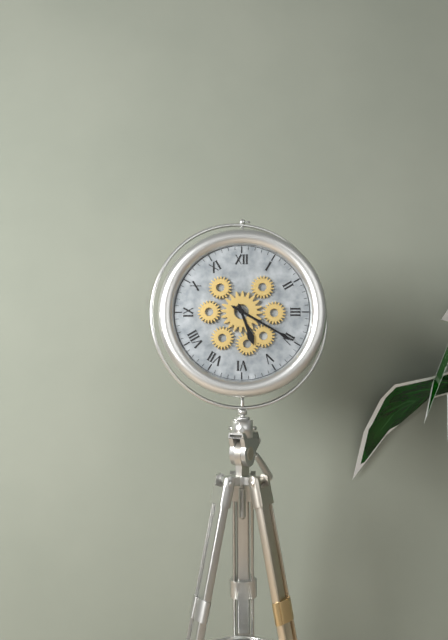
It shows 5:20
